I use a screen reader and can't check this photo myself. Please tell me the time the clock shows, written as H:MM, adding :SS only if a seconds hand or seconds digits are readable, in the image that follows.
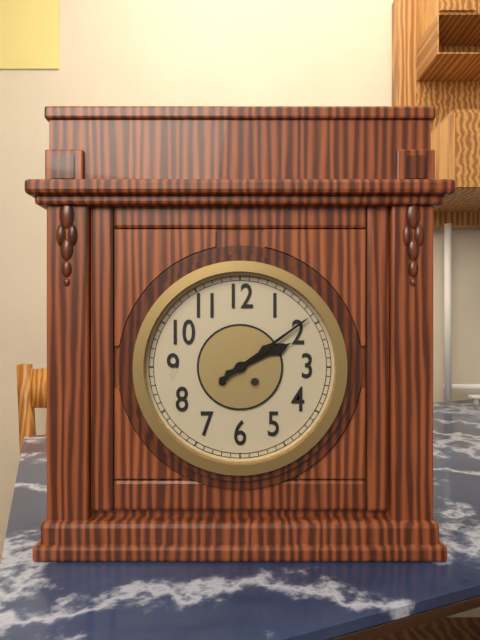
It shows 2:09
